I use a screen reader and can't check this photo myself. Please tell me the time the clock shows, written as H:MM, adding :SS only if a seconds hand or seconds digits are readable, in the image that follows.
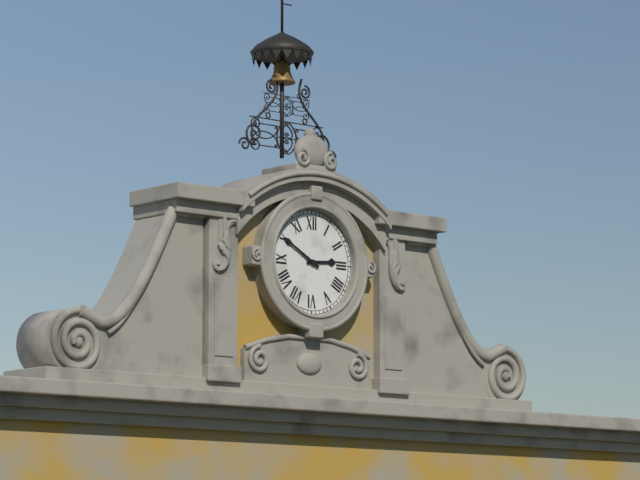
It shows 2:50
